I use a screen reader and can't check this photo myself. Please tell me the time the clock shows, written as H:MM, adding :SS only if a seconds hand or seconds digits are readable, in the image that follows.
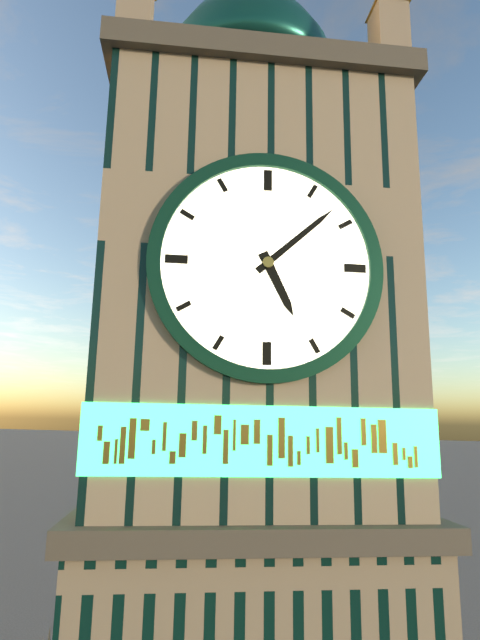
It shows 5:08
